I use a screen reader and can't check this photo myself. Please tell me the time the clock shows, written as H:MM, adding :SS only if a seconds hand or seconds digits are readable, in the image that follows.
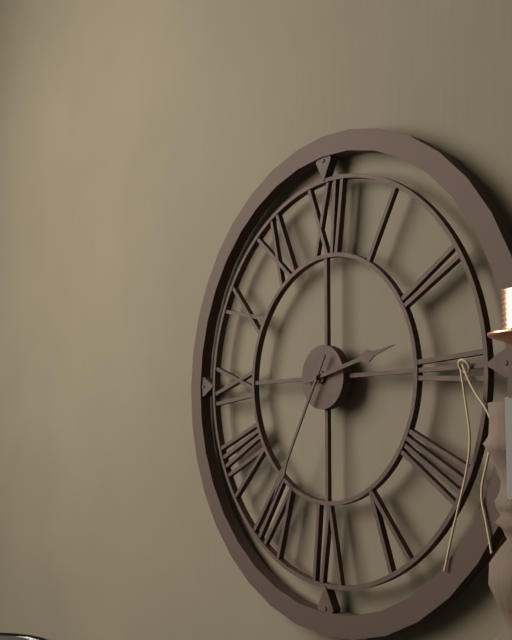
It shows 2:35
